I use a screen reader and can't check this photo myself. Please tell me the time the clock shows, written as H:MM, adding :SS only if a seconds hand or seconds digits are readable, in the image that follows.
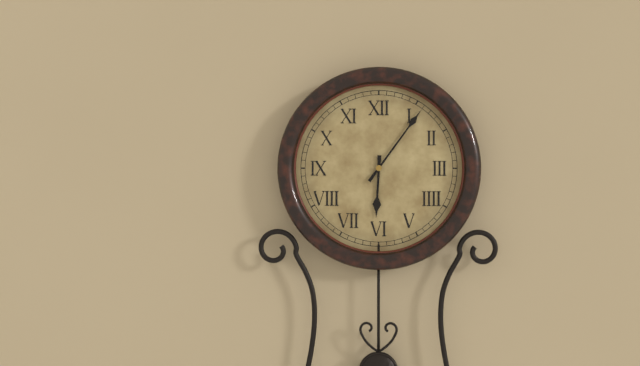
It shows 6:06
